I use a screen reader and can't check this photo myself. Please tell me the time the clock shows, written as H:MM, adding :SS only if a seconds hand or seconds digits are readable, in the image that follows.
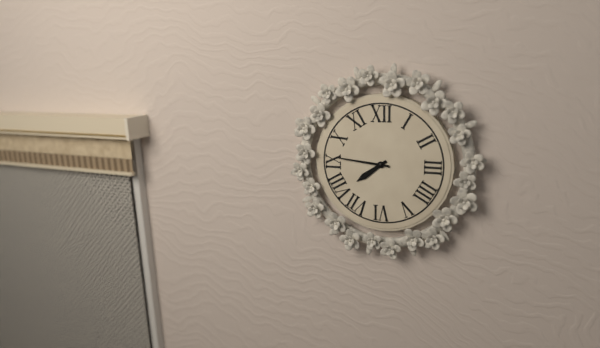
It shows 7:46
